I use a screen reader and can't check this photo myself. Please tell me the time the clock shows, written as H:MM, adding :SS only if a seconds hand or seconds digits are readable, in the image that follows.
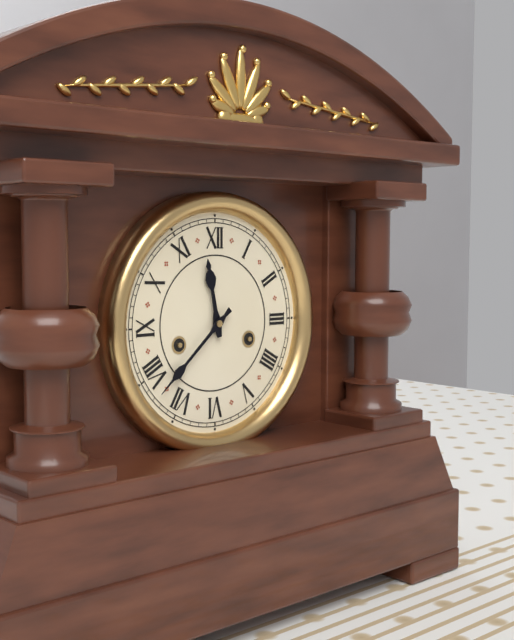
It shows 11:38
